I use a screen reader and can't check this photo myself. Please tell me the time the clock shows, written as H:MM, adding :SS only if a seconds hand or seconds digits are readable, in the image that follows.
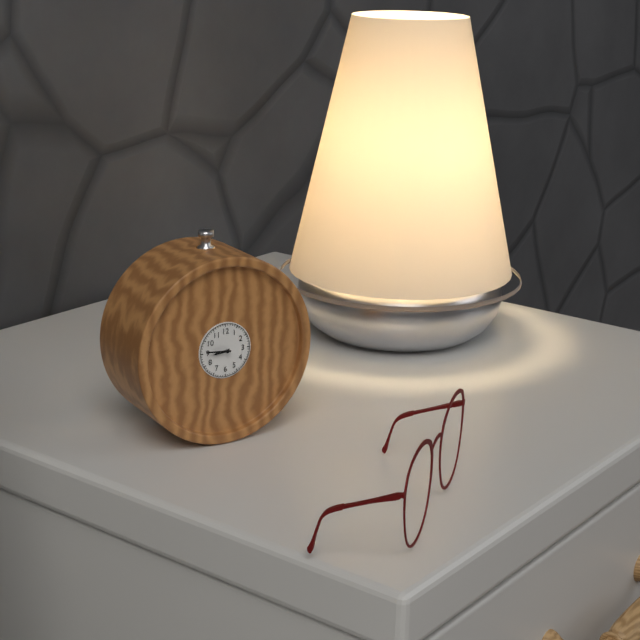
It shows 8:46
